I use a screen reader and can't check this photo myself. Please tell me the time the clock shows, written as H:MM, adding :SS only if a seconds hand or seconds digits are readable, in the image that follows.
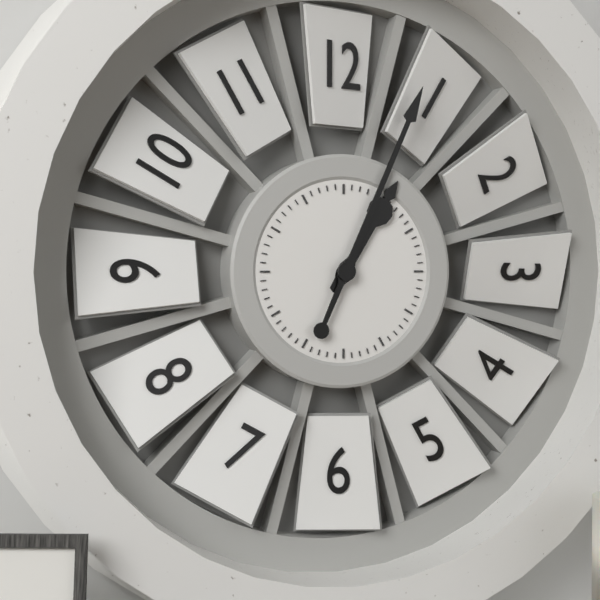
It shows 1:04
